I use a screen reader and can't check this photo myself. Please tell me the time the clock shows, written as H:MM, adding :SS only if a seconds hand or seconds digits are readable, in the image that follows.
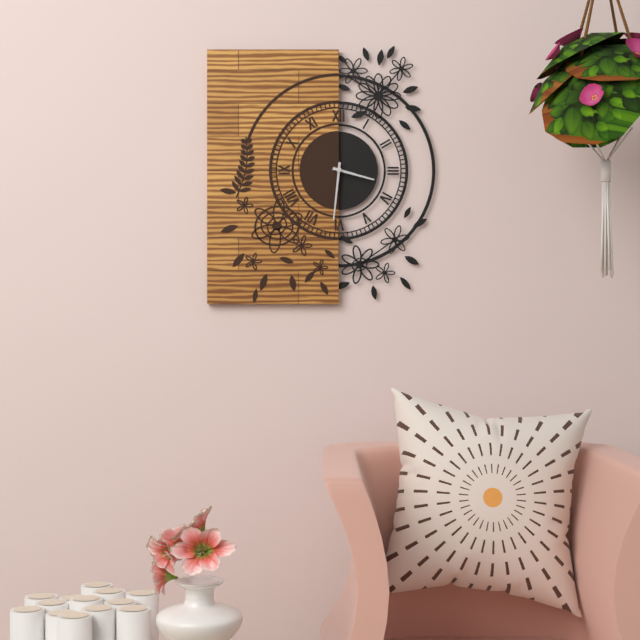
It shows 3:31
